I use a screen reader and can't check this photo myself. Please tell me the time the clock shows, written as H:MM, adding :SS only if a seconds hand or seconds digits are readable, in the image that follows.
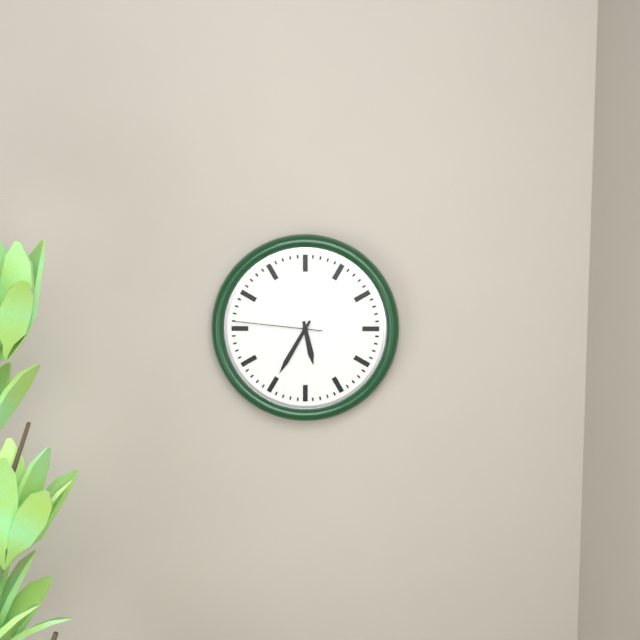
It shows 5:35:46
